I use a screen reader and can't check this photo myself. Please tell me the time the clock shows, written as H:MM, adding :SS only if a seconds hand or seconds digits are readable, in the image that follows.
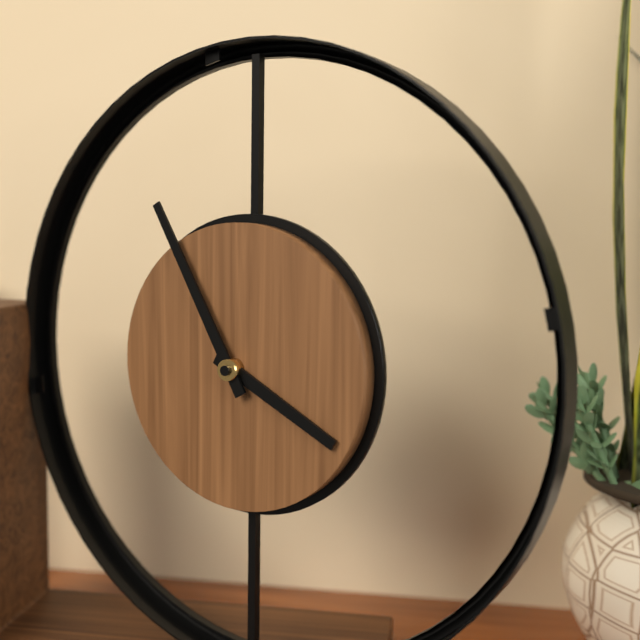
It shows 3:55
